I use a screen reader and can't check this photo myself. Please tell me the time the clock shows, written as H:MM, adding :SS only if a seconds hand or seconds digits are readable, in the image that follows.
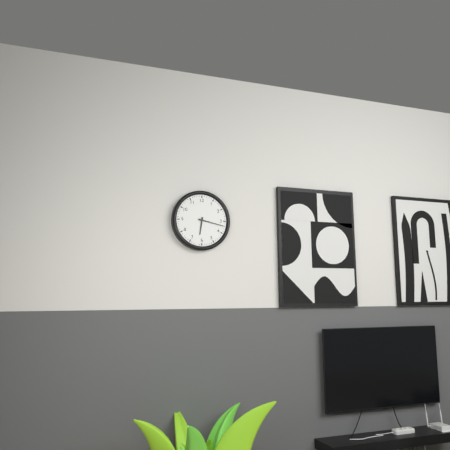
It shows 6:17
